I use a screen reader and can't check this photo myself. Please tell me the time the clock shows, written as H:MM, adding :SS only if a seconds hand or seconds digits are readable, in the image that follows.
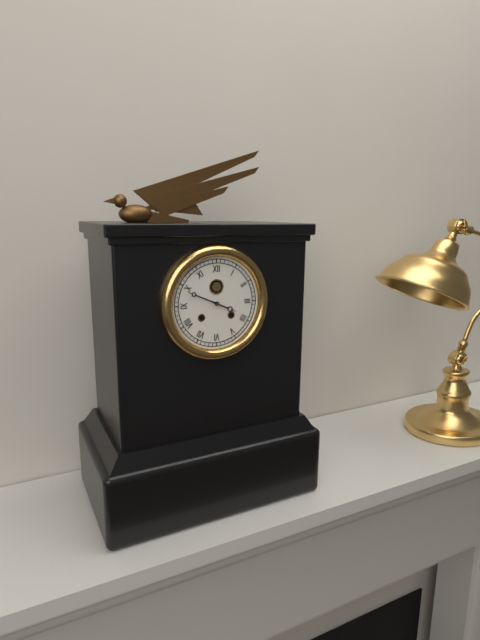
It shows 3:49
